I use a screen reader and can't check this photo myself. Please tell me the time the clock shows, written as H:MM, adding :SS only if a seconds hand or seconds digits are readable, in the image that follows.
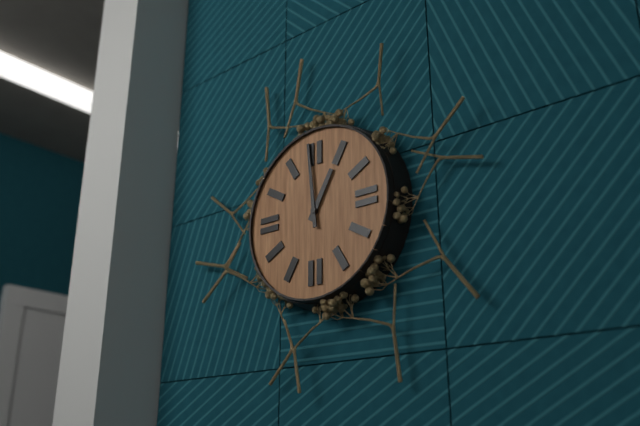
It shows 12:59
